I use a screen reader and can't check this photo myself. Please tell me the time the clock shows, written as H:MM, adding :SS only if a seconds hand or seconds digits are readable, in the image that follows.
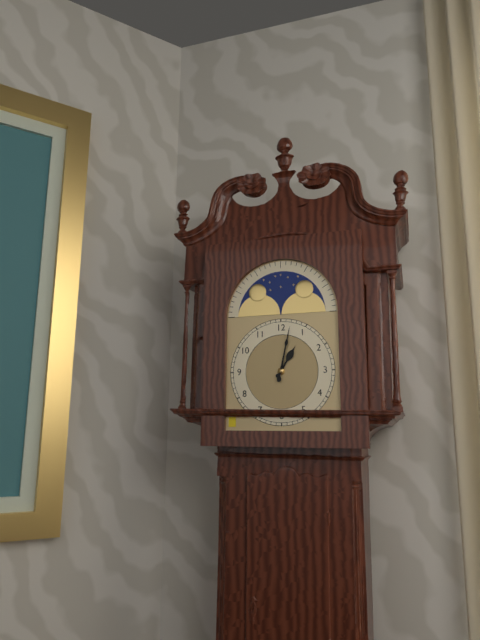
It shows 1:02
